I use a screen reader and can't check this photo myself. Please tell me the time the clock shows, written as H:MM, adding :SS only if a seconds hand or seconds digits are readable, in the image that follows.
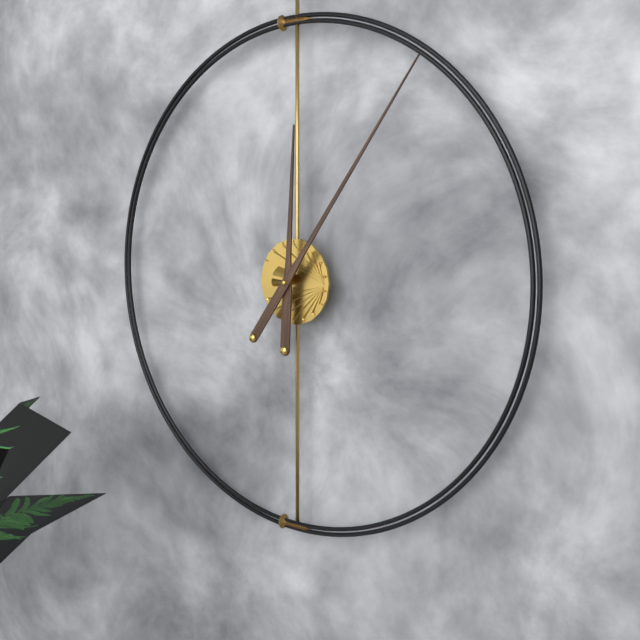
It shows 12:06
